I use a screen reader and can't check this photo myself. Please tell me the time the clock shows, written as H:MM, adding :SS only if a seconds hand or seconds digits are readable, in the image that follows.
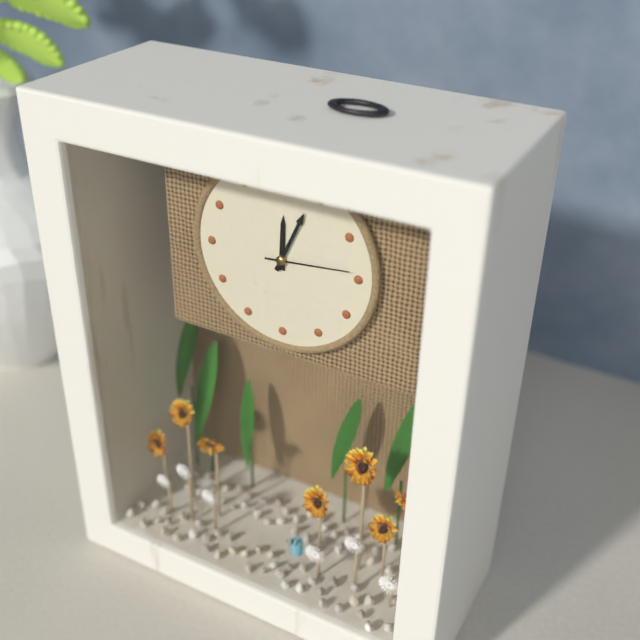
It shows 12:04:14
